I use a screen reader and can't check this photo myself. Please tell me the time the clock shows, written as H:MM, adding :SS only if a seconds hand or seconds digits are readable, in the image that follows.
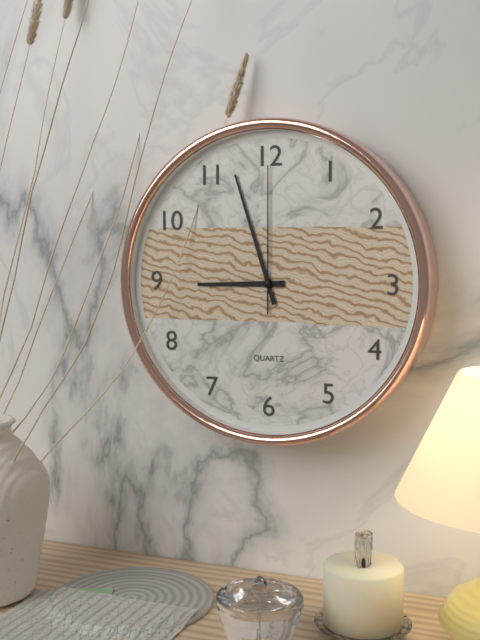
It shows 8:57:00
